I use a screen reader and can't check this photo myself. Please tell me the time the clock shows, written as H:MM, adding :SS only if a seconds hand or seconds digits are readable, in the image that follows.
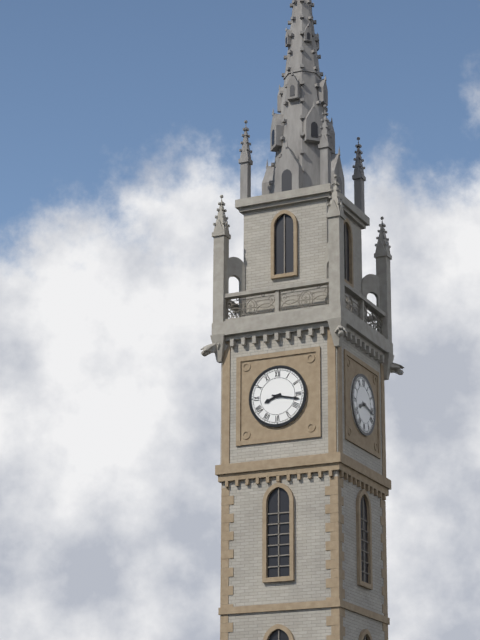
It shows 8:17
